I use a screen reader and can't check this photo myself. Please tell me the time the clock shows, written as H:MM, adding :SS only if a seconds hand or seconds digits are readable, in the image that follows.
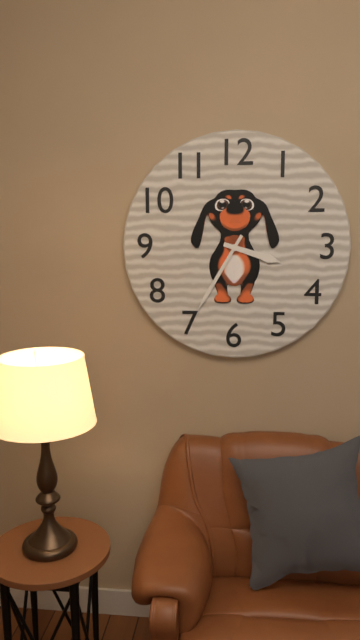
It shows 3:35
